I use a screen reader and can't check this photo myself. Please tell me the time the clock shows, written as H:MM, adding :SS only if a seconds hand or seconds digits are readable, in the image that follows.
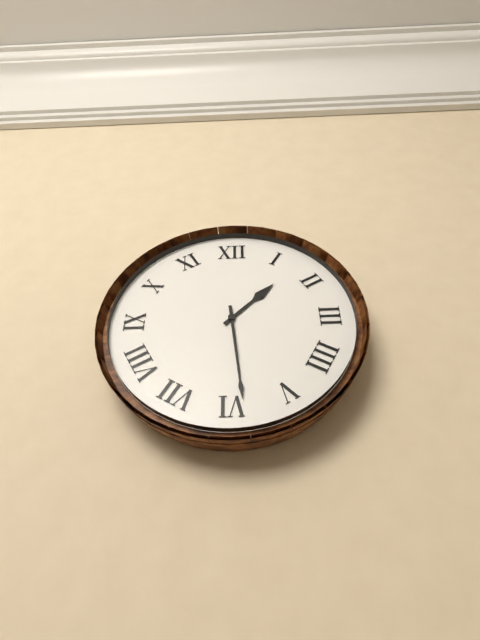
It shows 1:29
